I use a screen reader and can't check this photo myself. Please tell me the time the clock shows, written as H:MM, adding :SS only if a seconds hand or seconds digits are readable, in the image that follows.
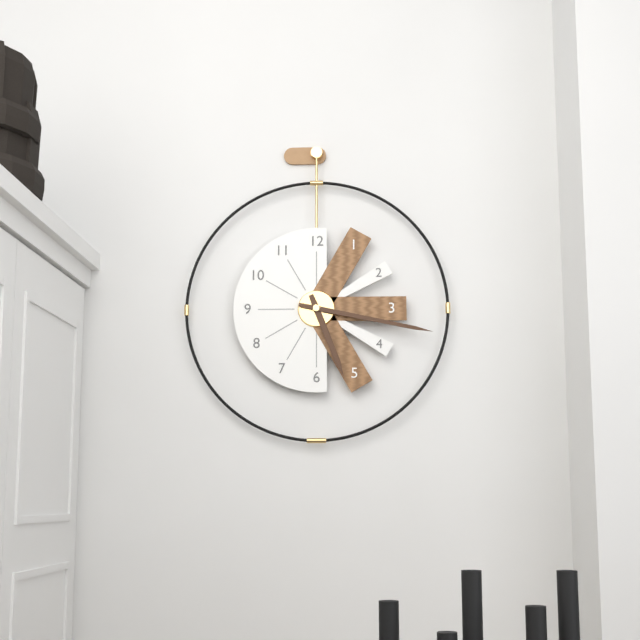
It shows 5:17
